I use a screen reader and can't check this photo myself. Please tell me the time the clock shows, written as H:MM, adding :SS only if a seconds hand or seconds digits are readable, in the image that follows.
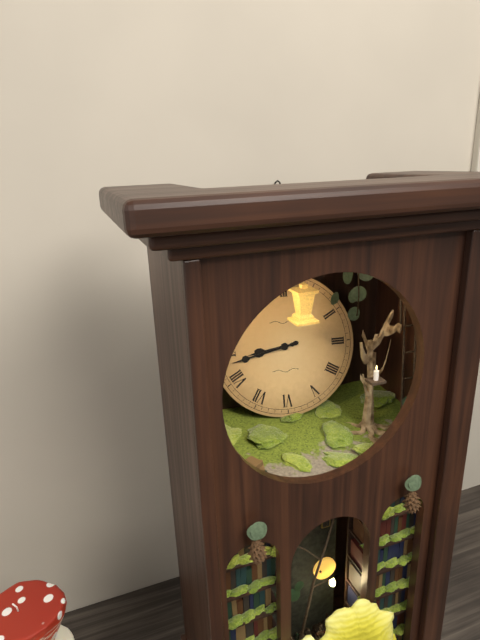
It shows 8:43
